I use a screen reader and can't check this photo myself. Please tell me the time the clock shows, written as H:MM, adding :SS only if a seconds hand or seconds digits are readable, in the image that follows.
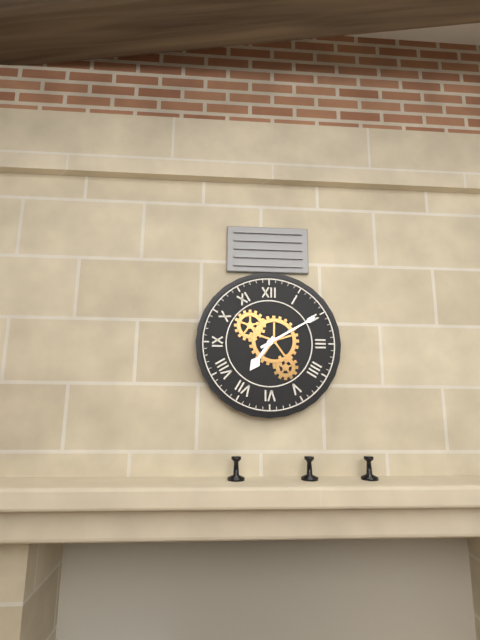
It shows 7:10
